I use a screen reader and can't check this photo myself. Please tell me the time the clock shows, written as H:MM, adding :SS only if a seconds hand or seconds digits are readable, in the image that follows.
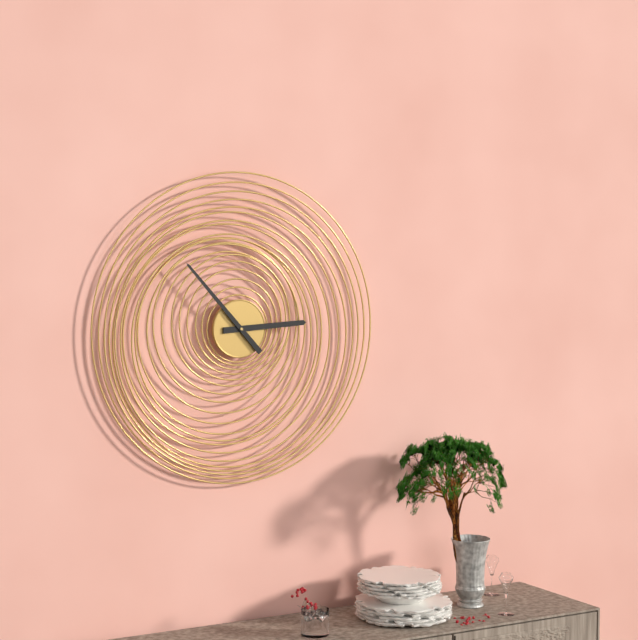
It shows 2:53
